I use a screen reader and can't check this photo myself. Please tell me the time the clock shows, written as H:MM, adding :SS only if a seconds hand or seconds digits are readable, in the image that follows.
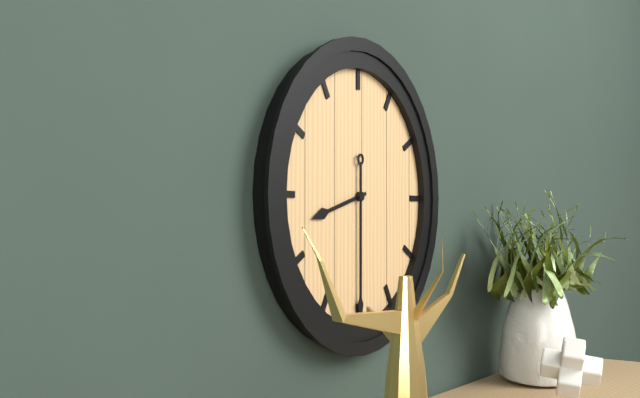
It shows 8:30
